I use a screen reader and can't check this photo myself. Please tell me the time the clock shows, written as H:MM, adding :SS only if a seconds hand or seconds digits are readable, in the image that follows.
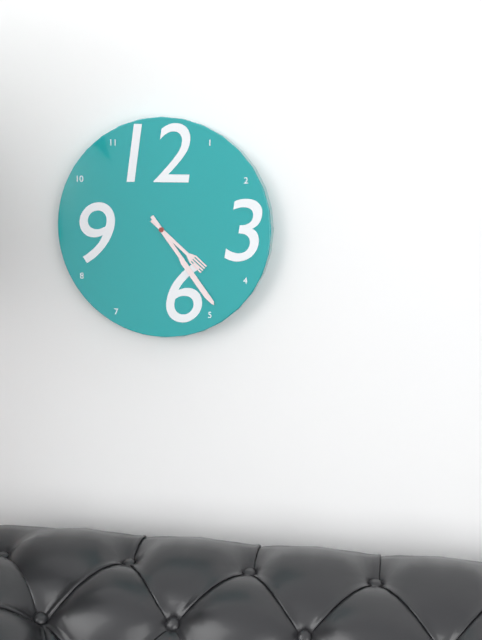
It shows 4:24
